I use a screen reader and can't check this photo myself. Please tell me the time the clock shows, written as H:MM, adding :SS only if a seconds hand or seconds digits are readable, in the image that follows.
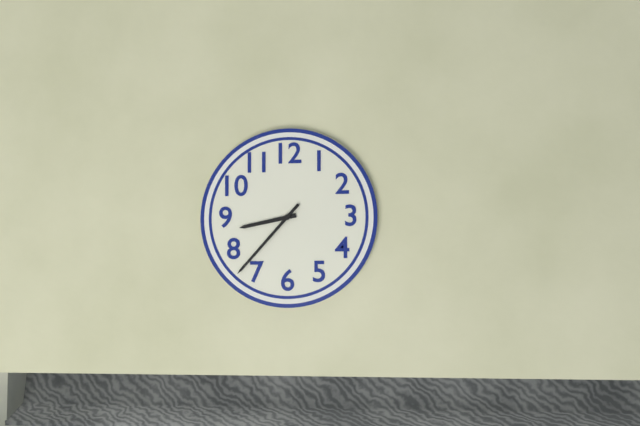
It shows 8:37
